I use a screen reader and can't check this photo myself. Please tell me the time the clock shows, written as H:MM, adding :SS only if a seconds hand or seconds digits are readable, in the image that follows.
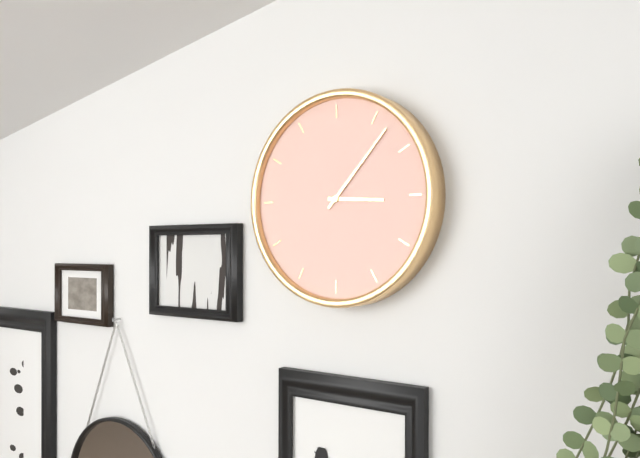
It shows 3:07
